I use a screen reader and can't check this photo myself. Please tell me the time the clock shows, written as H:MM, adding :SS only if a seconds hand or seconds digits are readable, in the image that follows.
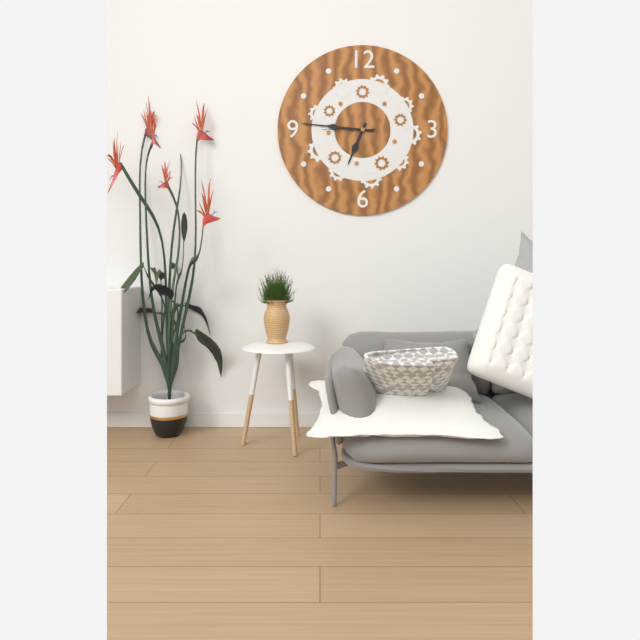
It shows 6:46:45
